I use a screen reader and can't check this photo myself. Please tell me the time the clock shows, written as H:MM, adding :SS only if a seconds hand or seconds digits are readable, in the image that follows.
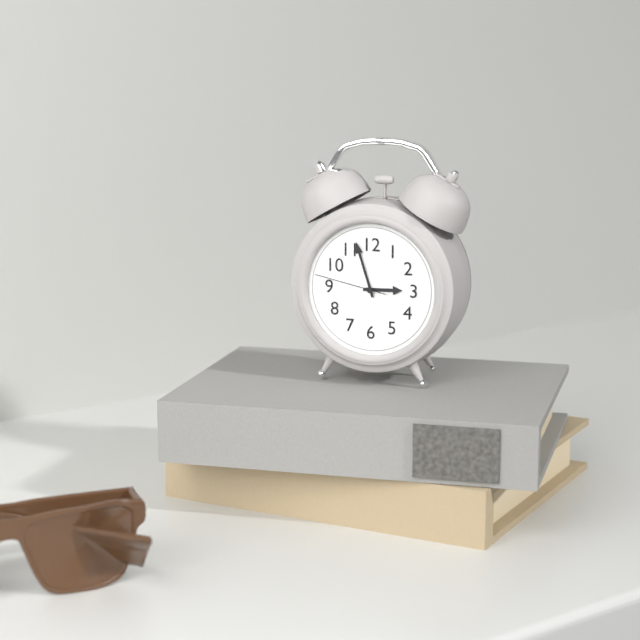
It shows 2:57:47
